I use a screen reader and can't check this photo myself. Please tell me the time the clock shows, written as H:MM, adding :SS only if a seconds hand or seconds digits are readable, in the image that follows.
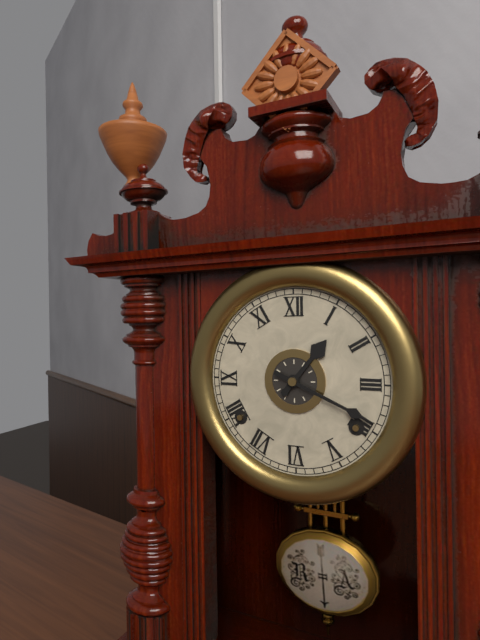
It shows 1:19
